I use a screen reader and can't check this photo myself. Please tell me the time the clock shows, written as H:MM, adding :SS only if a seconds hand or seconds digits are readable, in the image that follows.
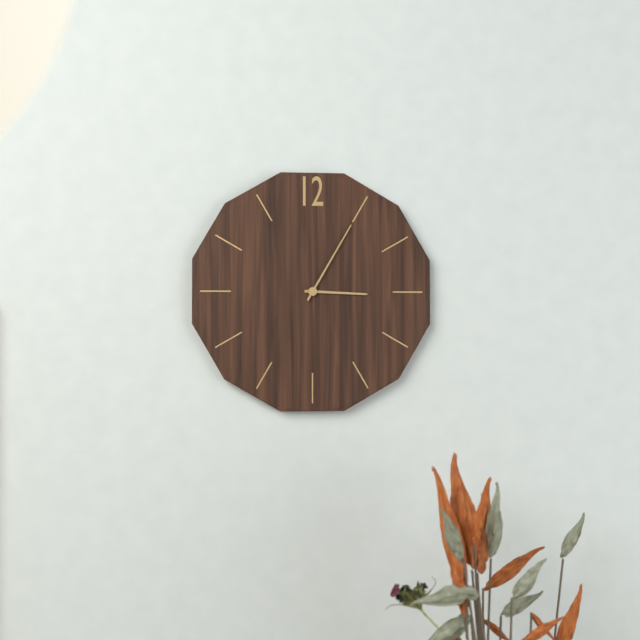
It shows 3:05
